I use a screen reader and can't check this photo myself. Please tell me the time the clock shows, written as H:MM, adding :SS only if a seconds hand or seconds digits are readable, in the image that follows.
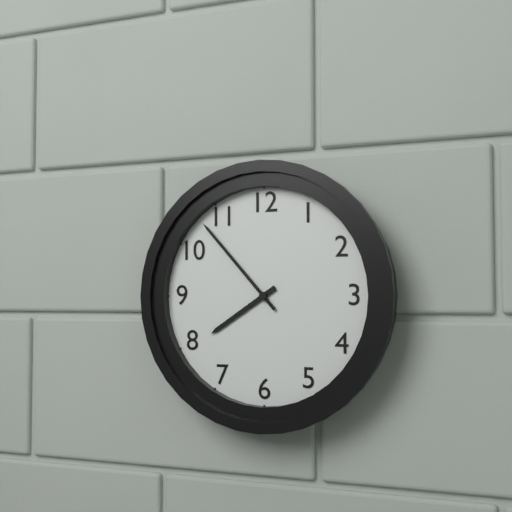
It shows 7:53
